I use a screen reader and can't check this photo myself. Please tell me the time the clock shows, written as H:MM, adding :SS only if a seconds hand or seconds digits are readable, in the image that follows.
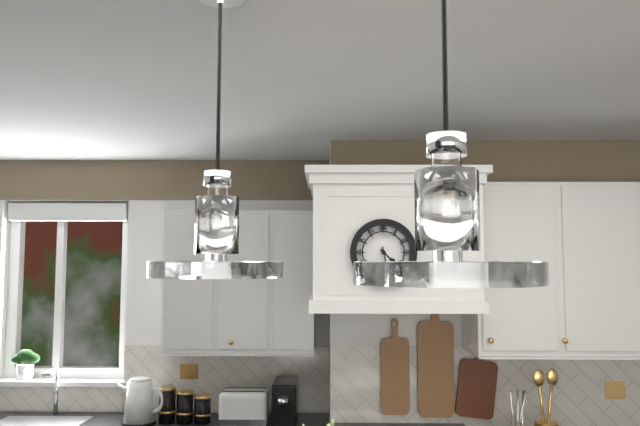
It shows 4:28
